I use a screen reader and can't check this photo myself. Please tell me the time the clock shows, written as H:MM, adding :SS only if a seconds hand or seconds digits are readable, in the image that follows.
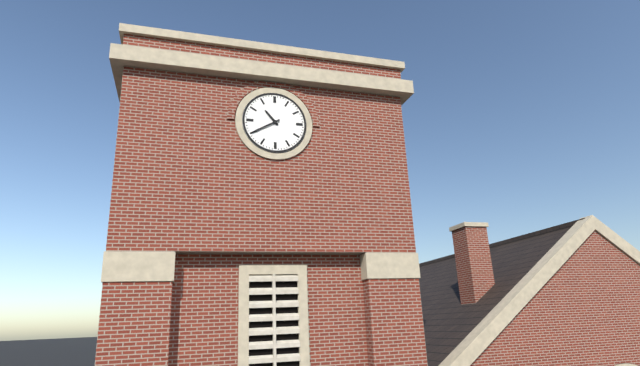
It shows 10:40
